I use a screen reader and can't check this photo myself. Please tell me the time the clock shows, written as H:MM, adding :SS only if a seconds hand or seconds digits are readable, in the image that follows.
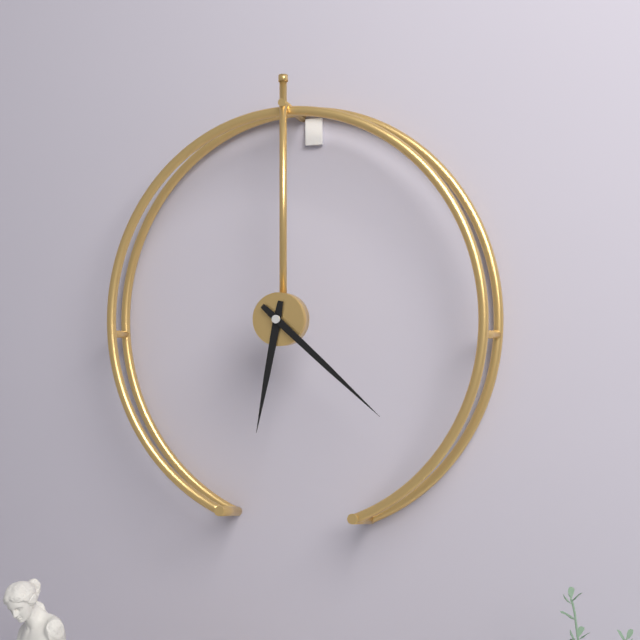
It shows 6:22
